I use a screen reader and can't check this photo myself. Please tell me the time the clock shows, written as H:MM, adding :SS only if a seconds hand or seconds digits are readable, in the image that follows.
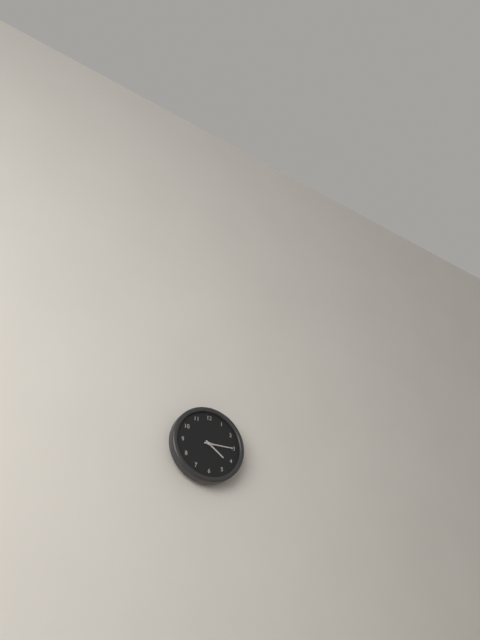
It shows 4:15
